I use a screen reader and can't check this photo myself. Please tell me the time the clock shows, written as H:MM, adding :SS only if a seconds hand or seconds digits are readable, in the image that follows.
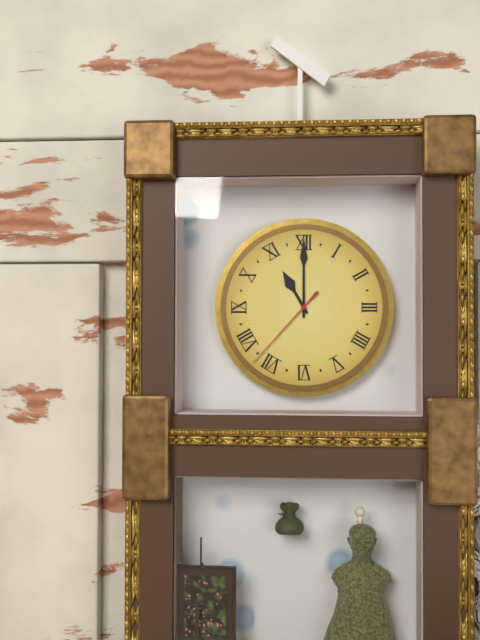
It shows 11:00:37
